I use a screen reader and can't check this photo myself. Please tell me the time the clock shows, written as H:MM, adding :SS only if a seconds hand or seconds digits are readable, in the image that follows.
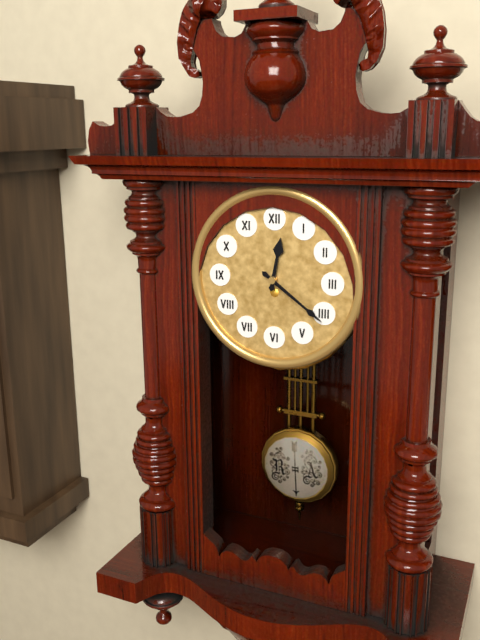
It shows 12:21
